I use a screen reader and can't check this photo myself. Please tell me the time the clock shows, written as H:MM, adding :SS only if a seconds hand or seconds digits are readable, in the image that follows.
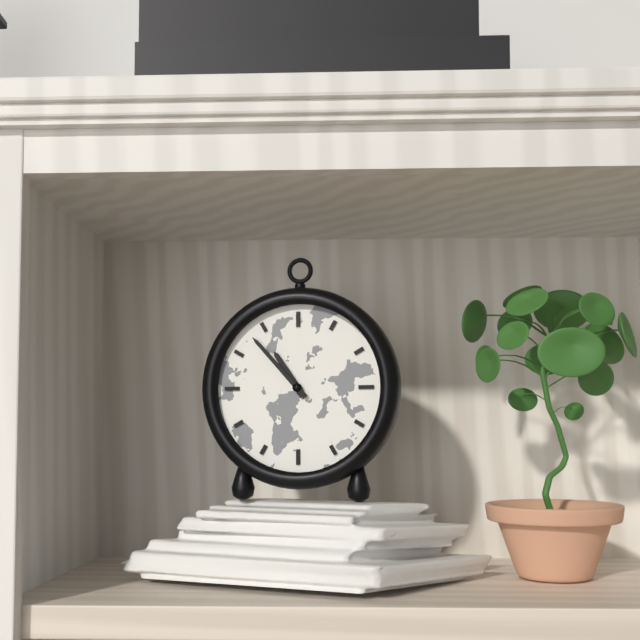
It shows 10:53
